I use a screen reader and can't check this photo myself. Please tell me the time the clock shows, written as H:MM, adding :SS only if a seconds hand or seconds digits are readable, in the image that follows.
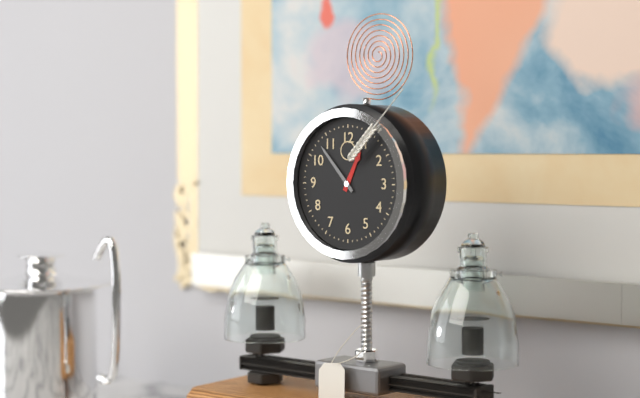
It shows 12:53
